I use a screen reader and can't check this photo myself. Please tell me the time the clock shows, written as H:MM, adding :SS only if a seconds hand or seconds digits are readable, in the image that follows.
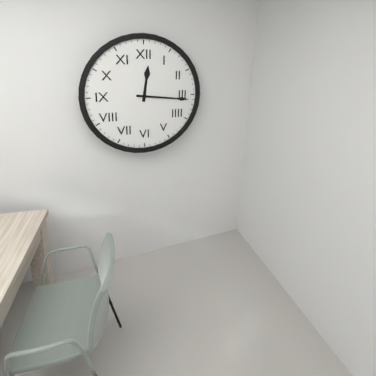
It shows 12:16
